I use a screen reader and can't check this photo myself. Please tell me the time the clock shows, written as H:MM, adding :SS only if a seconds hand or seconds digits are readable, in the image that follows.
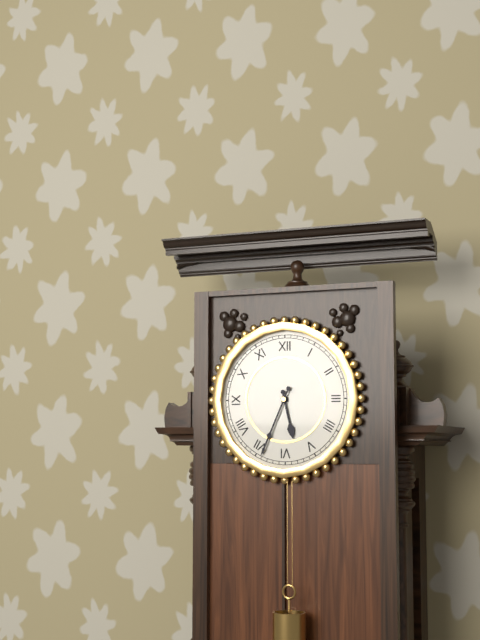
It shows 5:34
